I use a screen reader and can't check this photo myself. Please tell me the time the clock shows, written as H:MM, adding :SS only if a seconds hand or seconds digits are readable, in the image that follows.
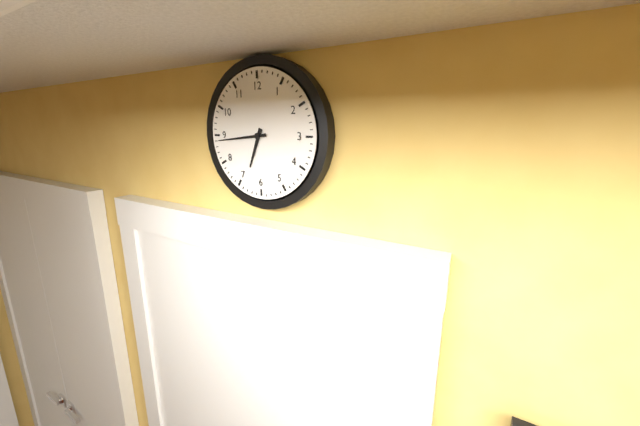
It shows 6:44
